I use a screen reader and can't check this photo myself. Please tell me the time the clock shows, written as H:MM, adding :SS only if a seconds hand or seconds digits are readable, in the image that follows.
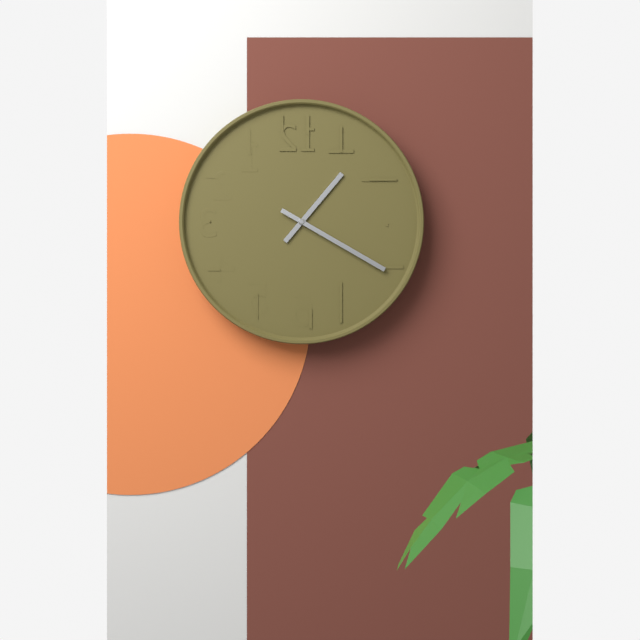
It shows 1:20
